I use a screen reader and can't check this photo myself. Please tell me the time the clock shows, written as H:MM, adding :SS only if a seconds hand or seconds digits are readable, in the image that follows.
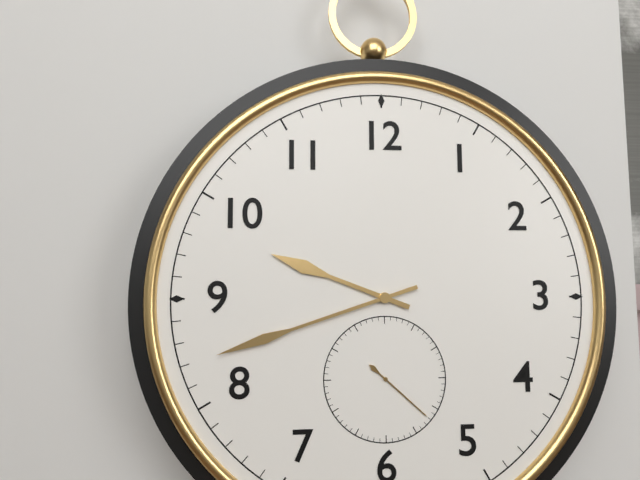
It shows 9:42:22
